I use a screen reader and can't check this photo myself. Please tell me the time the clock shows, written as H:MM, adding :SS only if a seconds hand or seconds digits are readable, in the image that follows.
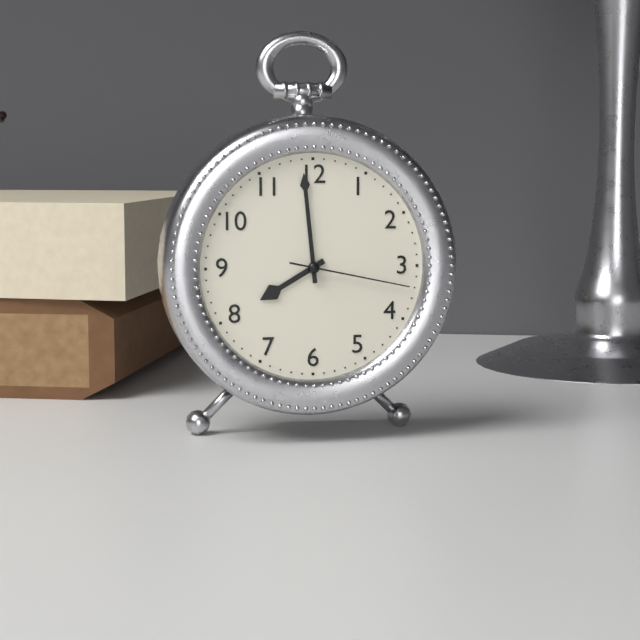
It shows 7:59:17
